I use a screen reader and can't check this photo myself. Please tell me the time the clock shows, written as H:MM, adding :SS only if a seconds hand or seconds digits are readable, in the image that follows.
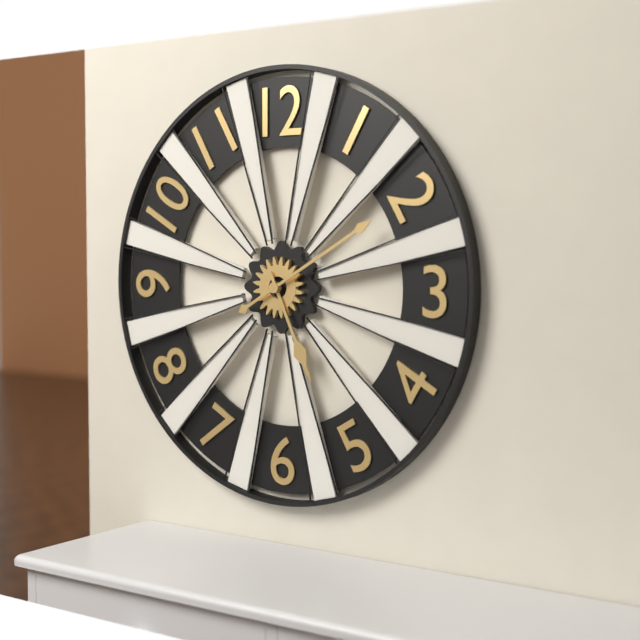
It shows 5:10
